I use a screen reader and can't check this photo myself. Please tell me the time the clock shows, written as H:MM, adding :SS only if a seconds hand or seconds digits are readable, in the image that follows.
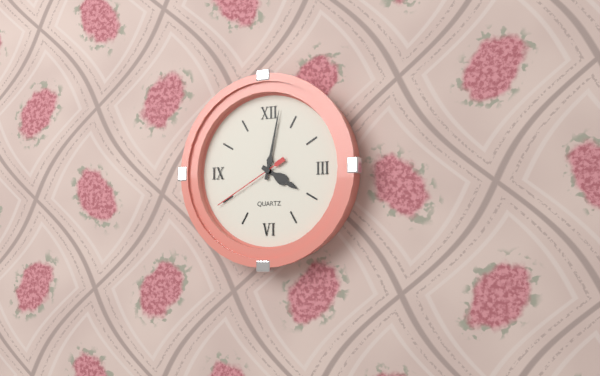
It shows 4:02:40
